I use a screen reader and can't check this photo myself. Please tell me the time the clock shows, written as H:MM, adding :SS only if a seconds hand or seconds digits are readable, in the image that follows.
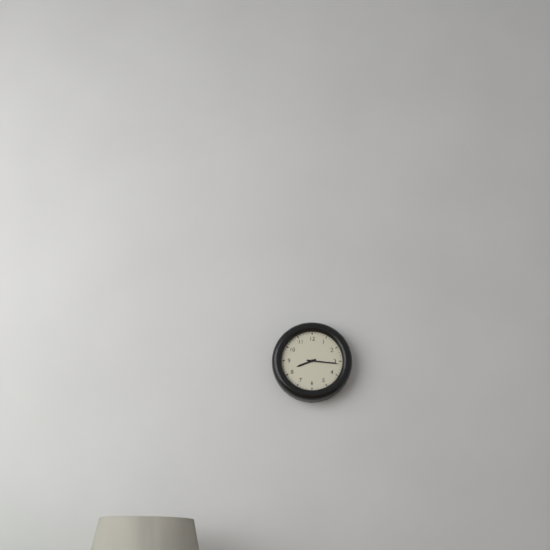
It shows 8:16
